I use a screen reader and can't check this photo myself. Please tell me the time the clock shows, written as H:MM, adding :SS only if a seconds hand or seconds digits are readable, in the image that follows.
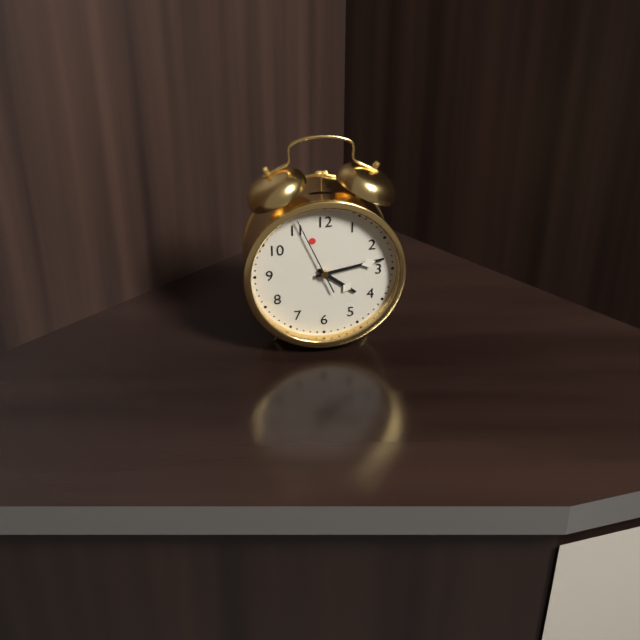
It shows 4:13:56
